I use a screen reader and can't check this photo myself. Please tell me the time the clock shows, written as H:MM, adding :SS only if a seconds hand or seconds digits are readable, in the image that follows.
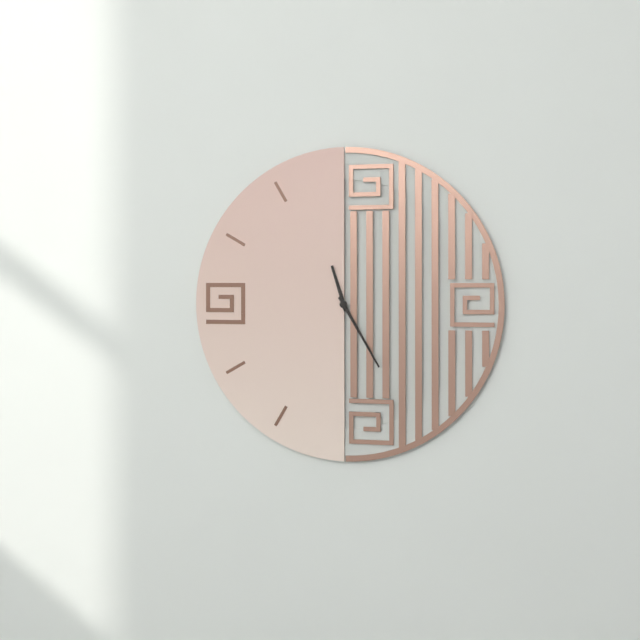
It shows 11:25
